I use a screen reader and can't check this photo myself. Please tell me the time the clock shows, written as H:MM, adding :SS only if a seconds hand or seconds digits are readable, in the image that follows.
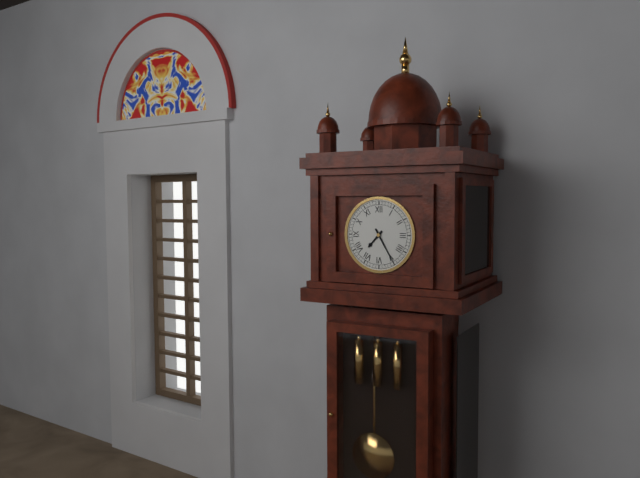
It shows 7:25
